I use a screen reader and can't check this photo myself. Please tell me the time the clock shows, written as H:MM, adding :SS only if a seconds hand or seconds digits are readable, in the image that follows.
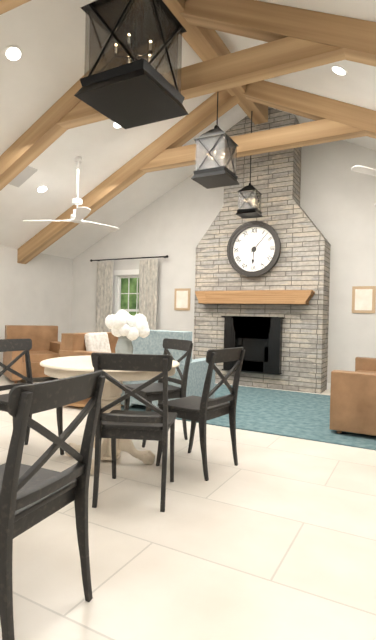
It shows 6:07
